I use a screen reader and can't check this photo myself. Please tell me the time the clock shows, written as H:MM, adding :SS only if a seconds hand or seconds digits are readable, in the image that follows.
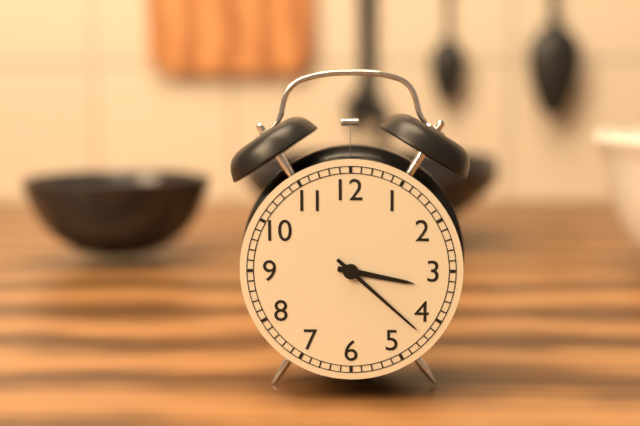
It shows 3:22
